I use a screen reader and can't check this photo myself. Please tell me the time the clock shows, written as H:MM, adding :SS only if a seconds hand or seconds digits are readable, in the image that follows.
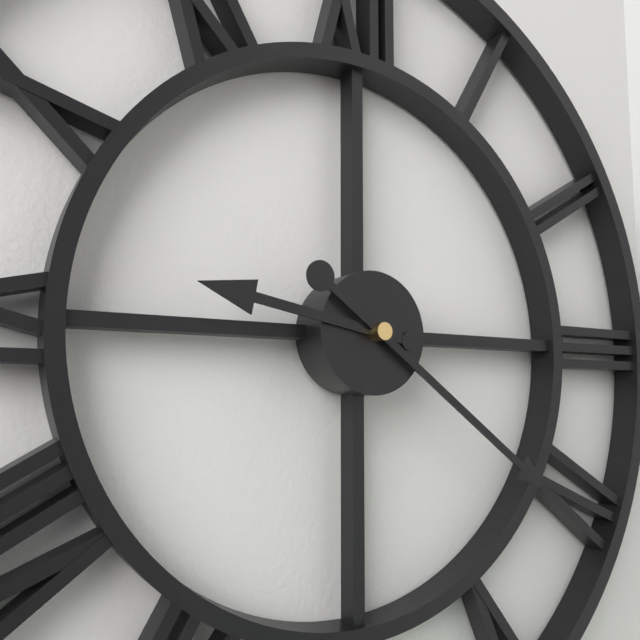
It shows 9:21
